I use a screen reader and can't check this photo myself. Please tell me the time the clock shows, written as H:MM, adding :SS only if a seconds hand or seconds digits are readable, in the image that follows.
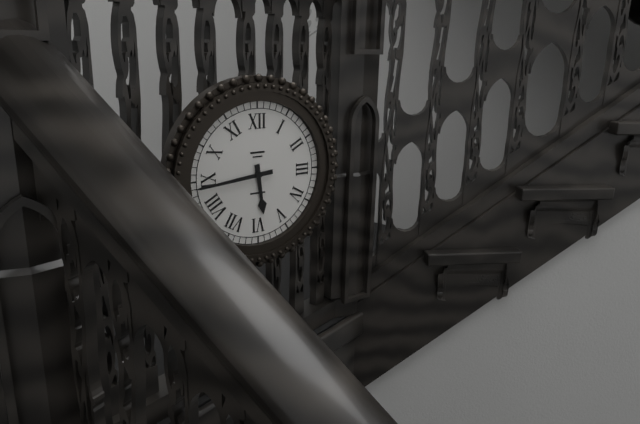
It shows 5:44
